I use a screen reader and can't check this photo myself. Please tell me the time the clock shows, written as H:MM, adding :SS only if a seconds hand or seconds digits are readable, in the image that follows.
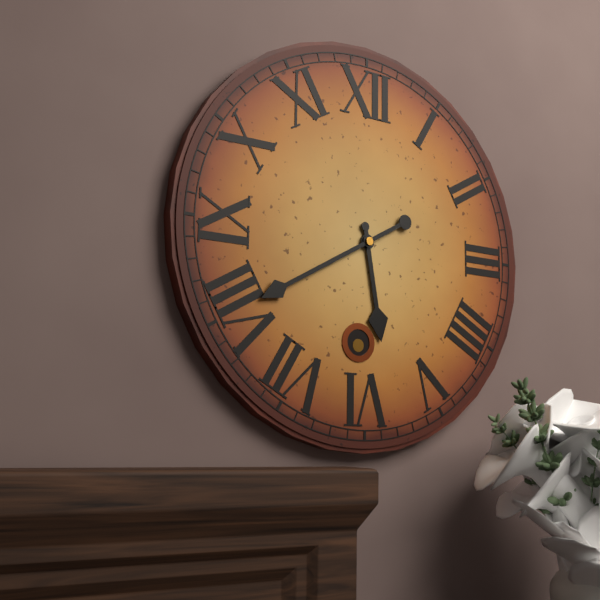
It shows 5:40
